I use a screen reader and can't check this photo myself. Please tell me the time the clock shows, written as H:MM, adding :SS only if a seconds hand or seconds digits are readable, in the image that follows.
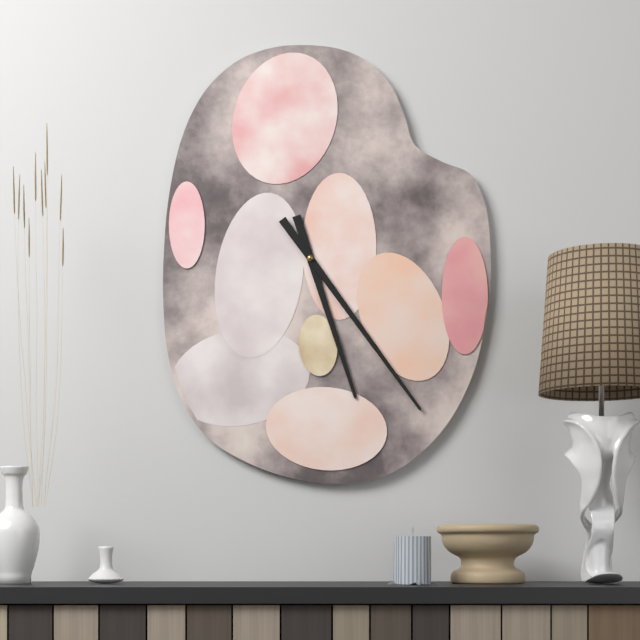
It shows 5:24
